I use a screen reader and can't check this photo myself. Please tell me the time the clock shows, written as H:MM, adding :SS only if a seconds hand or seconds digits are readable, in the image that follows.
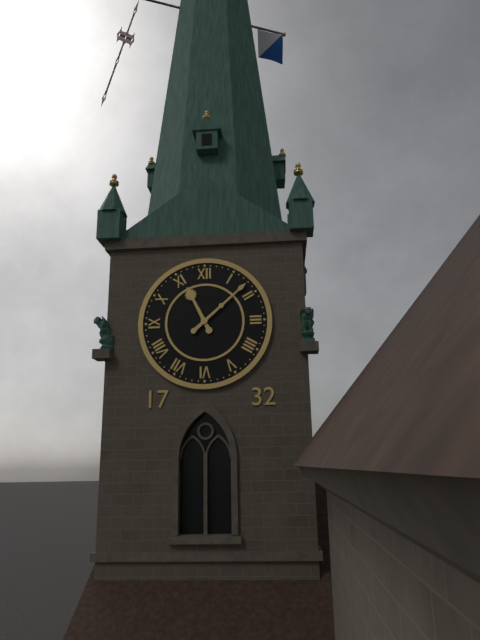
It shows 11:08
